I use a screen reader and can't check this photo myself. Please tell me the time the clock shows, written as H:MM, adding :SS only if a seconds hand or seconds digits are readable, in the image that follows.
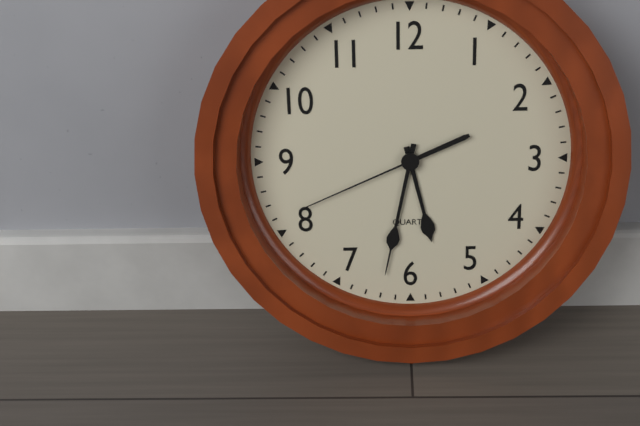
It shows 5:32:41
